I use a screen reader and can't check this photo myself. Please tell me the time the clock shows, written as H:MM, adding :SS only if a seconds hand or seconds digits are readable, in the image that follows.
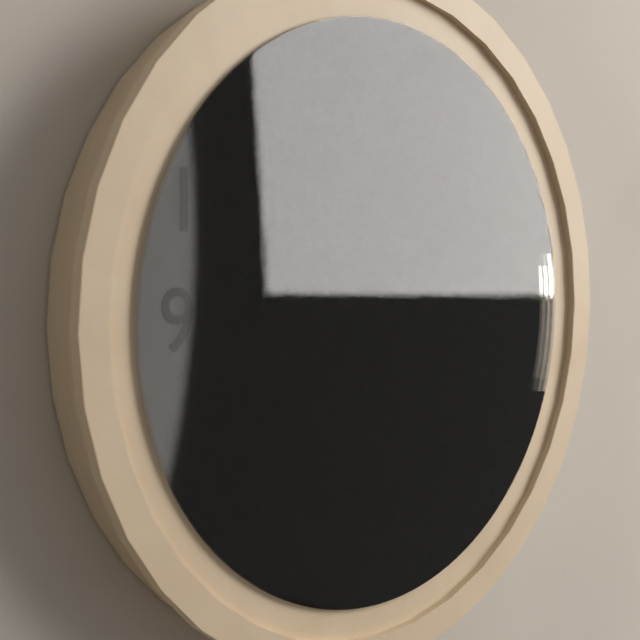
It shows 9:06
